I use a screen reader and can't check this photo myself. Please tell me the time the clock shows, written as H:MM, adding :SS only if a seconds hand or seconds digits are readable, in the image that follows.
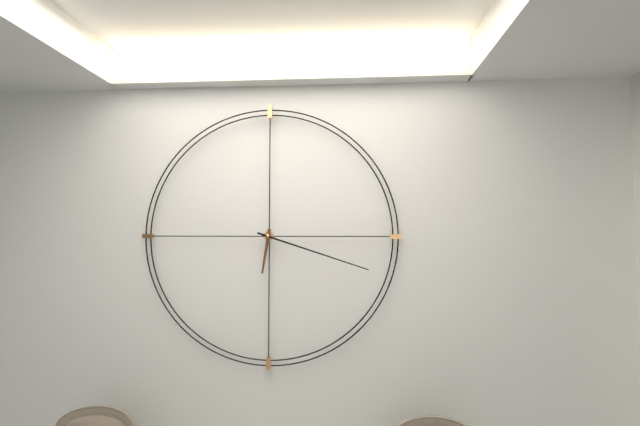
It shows 6:18
